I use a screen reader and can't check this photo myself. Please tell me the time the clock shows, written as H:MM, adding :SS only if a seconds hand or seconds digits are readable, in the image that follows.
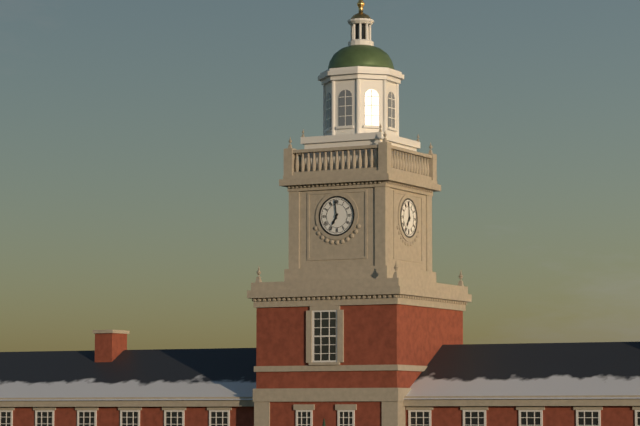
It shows 6:59
